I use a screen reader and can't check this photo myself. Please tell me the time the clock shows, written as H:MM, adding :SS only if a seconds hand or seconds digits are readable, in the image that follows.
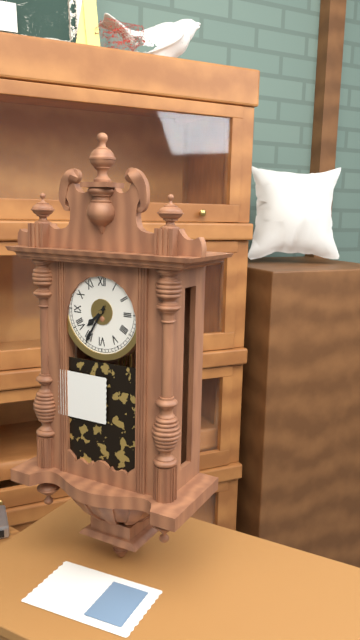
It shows 7:35
